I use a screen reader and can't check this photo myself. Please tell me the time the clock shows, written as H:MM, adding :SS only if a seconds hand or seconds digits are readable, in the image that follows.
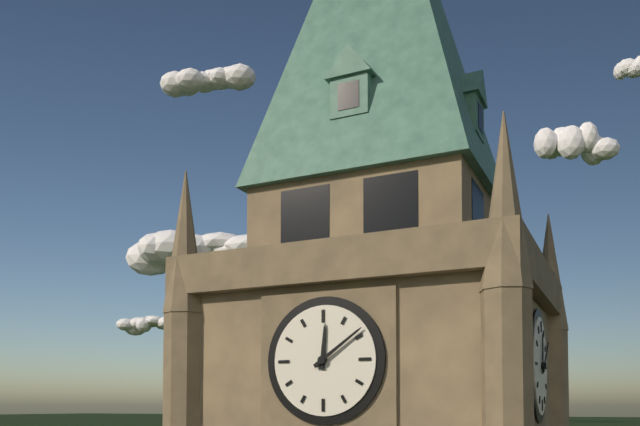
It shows 12:09
